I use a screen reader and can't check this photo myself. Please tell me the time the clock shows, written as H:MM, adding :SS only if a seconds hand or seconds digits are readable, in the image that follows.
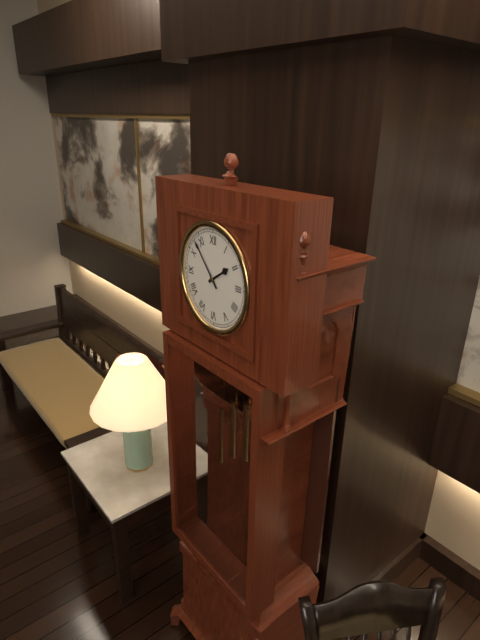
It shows 1:53
